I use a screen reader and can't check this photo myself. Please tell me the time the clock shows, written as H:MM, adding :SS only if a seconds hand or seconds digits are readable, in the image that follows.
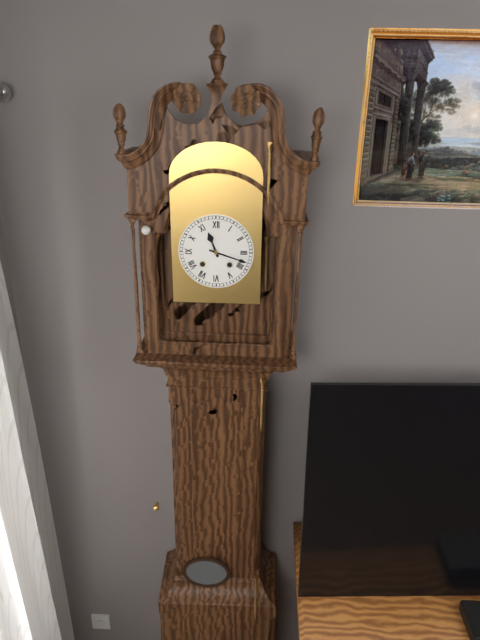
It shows 11:18
